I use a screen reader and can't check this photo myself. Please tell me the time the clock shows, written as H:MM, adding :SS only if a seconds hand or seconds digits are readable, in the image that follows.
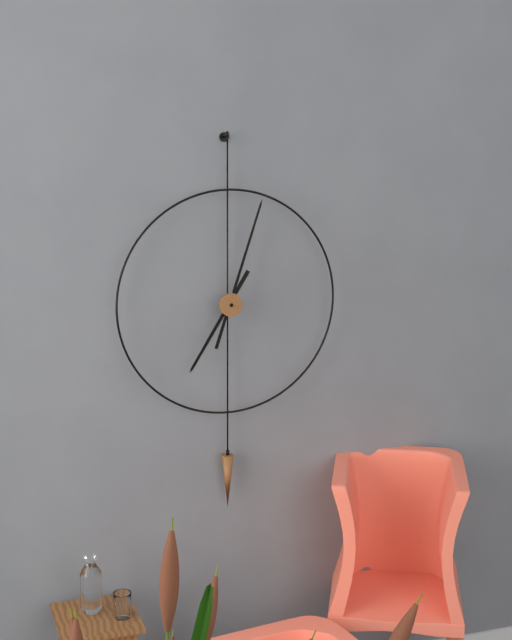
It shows 7:03
